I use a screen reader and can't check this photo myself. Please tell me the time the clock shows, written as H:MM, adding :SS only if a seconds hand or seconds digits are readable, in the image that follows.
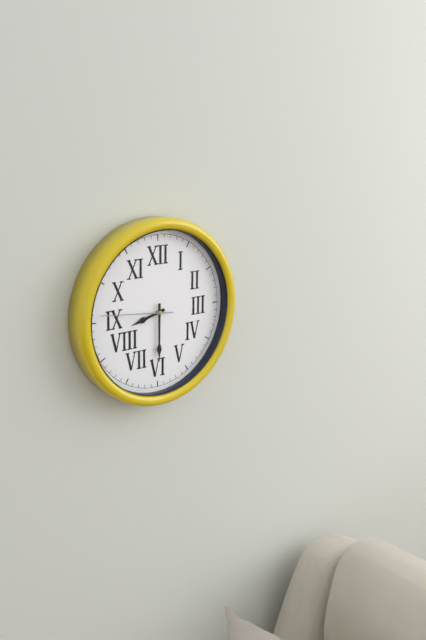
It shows 8:30:46
